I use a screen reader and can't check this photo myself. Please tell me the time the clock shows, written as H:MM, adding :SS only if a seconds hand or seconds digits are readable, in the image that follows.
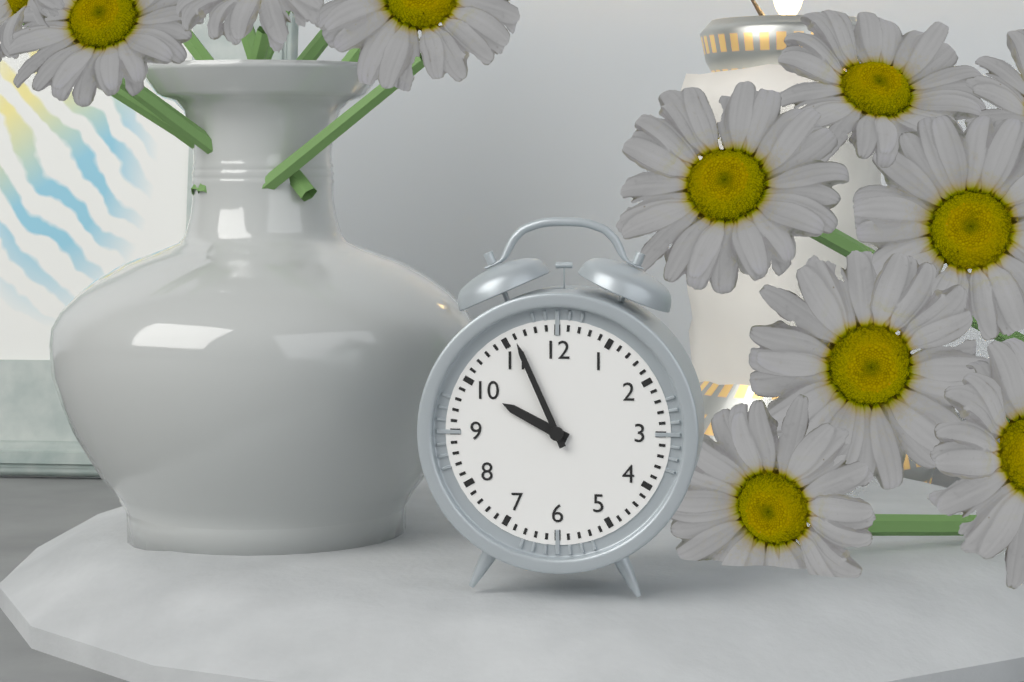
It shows 9:56
